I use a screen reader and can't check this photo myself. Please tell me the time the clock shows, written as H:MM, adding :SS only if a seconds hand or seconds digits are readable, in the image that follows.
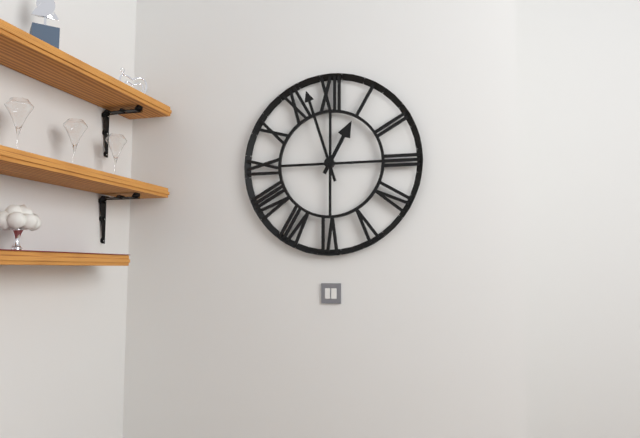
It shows 12:57
